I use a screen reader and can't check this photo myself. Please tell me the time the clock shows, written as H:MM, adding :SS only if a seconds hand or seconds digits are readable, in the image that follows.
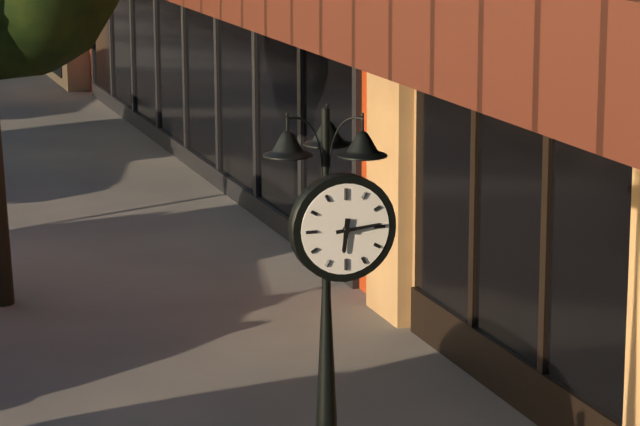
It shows 6:14
